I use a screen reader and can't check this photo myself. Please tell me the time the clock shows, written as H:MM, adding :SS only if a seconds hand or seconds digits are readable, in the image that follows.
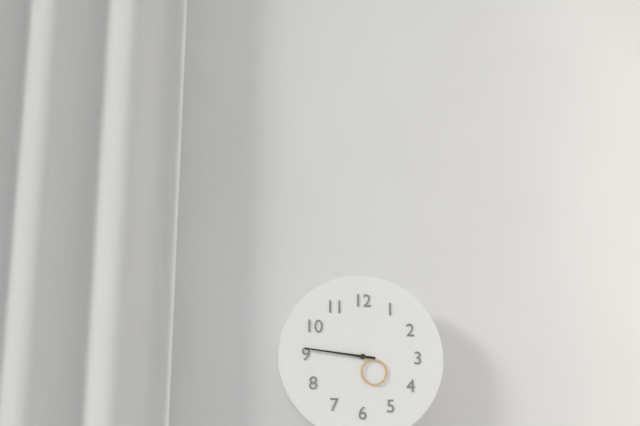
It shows 4:46
